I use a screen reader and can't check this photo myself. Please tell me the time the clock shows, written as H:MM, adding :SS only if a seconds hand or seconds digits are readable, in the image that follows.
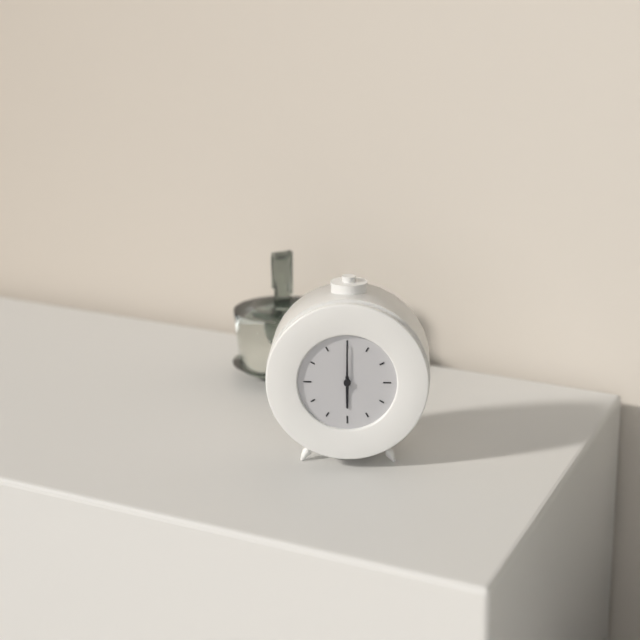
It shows 6:00
